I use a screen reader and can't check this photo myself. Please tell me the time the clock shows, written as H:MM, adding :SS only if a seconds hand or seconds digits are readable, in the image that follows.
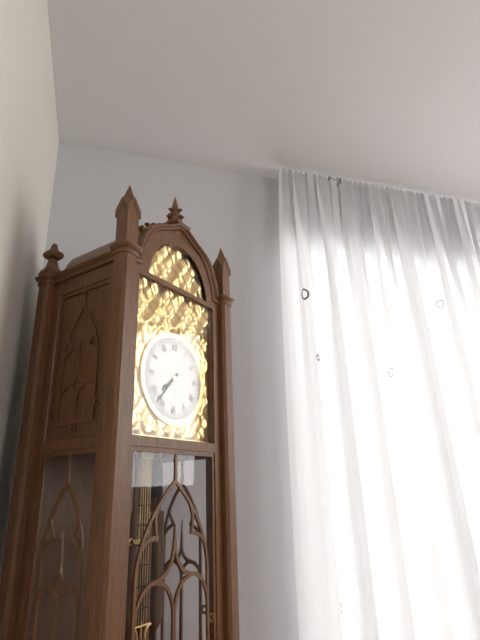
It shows 7:37
